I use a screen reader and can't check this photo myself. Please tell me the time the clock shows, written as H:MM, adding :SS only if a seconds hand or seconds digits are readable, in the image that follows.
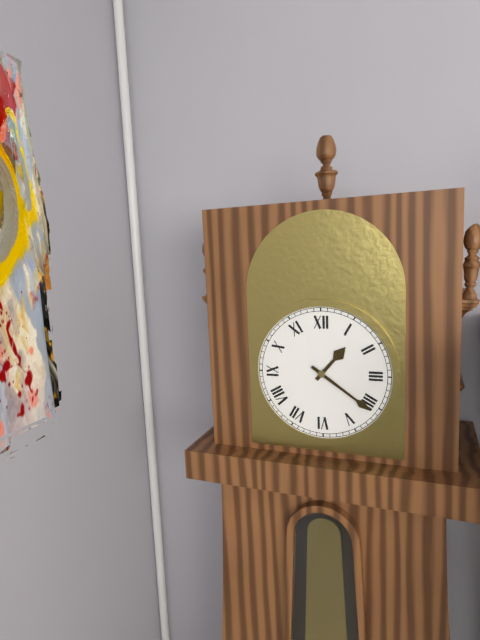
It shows 1:21
